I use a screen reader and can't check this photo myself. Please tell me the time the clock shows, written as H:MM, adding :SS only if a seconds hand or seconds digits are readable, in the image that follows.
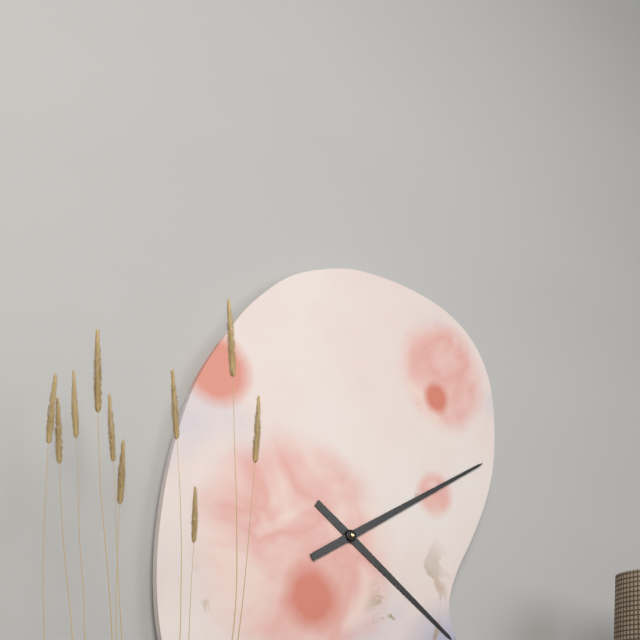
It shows 4:10
